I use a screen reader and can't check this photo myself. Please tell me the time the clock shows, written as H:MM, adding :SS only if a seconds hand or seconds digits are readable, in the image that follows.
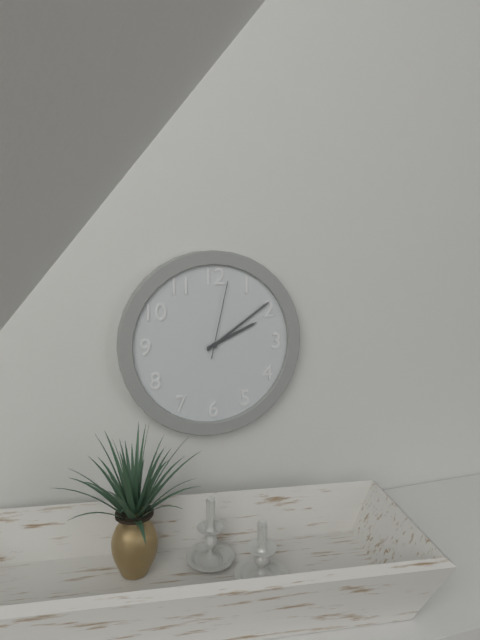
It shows 2:09:02
